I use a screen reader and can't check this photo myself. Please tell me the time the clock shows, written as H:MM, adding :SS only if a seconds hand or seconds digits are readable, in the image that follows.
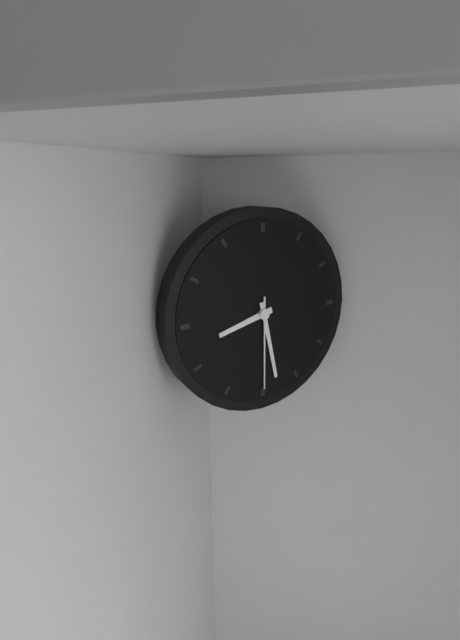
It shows 8:28:30
